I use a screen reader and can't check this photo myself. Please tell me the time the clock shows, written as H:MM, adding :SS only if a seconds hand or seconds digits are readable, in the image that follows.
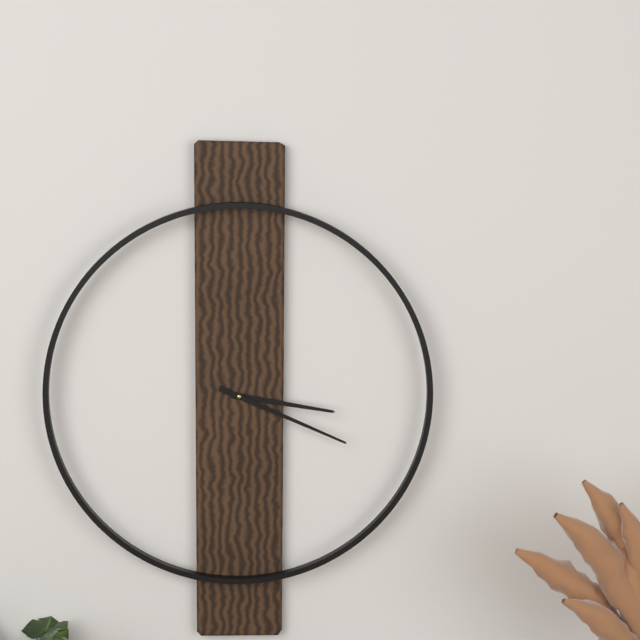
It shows 3:19
